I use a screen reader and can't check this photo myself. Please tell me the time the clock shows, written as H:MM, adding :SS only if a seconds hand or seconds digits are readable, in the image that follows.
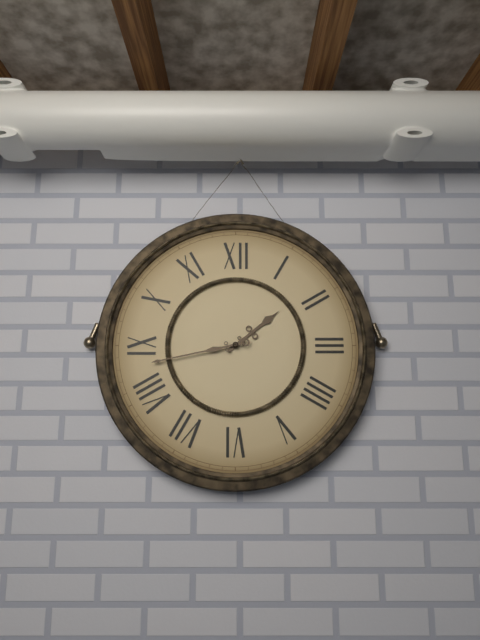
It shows 1:43
